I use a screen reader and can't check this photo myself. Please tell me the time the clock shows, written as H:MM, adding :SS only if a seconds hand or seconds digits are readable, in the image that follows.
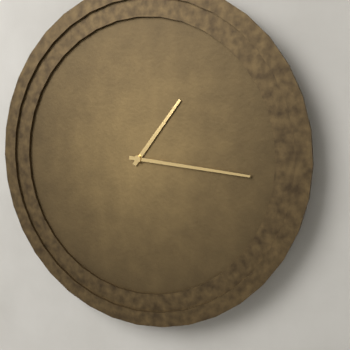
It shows 1:16
